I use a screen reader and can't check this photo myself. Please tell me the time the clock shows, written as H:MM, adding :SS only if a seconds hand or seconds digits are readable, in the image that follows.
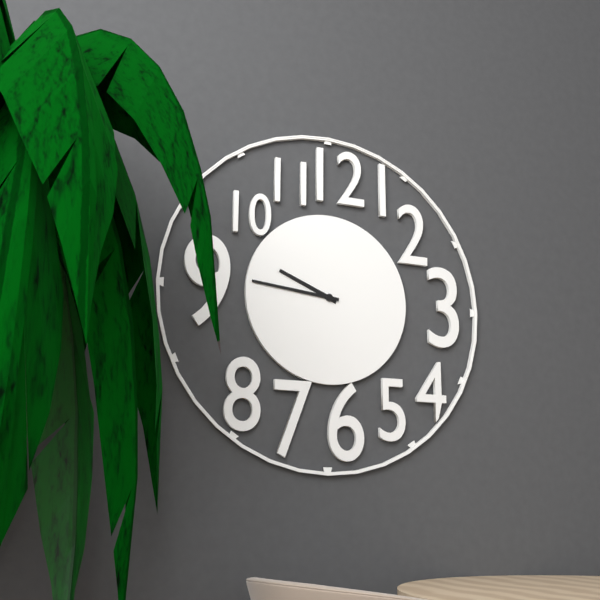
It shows 9:46
